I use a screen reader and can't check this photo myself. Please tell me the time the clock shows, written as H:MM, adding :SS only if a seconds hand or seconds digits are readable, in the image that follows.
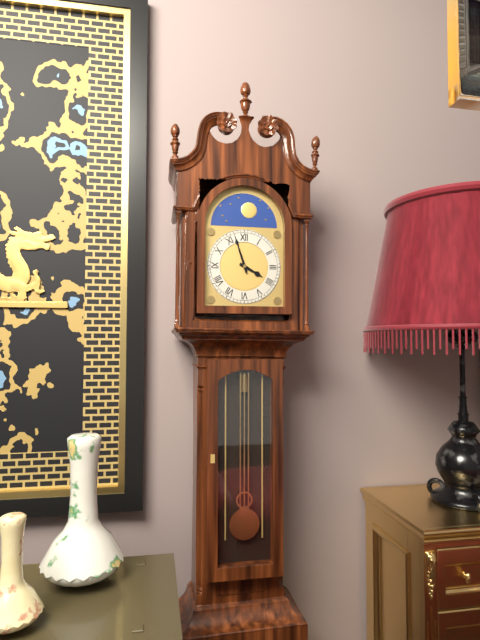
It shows 3:57
